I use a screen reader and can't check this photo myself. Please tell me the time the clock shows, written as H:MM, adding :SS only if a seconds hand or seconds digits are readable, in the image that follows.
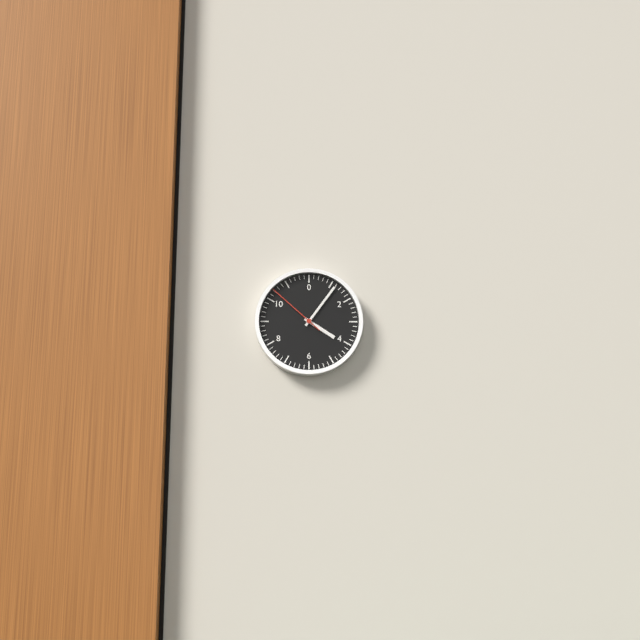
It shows 4:06:52
